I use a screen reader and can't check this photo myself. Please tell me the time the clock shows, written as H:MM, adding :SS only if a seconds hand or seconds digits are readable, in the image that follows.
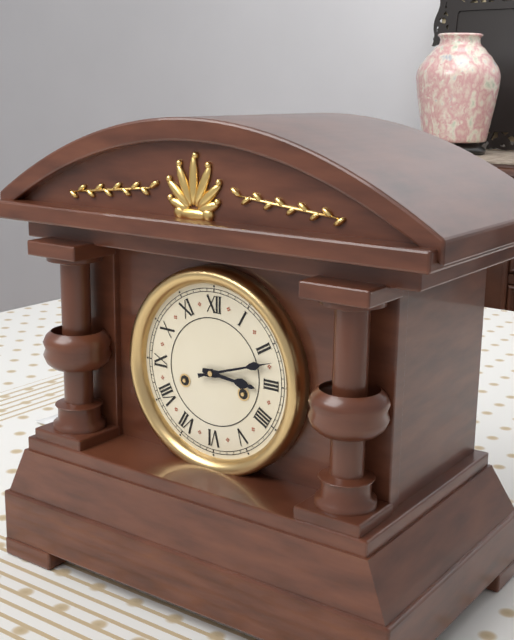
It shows 3:12
